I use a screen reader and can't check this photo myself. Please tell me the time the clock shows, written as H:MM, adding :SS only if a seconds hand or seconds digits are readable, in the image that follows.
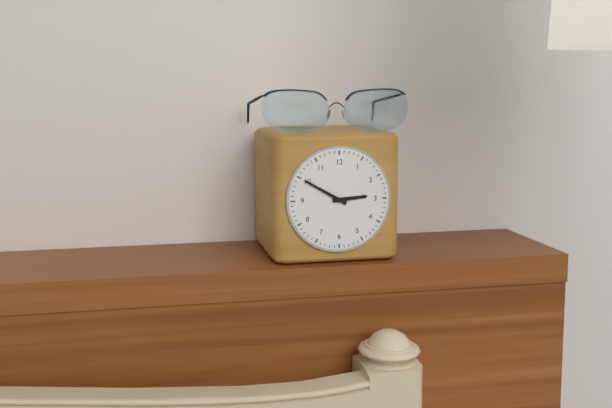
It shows 2:50
